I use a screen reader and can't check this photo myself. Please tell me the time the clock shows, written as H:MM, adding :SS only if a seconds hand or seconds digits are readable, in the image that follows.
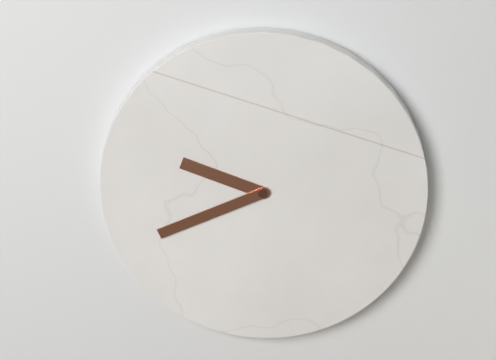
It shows 9:41
